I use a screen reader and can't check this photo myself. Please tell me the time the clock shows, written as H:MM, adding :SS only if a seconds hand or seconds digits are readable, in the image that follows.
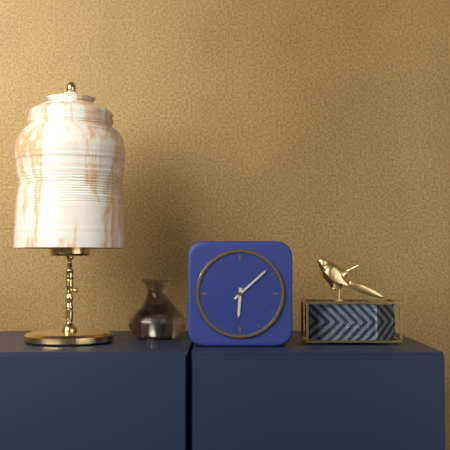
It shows 6:08
